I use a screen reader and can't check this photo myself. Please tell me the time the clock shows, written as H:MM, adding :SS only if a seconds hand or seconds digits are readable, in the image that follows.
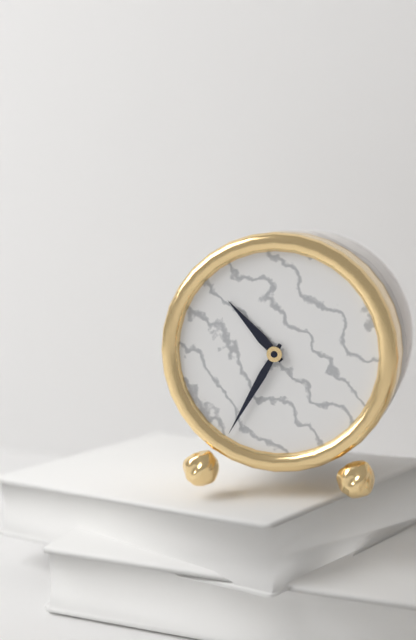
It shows 10:35
